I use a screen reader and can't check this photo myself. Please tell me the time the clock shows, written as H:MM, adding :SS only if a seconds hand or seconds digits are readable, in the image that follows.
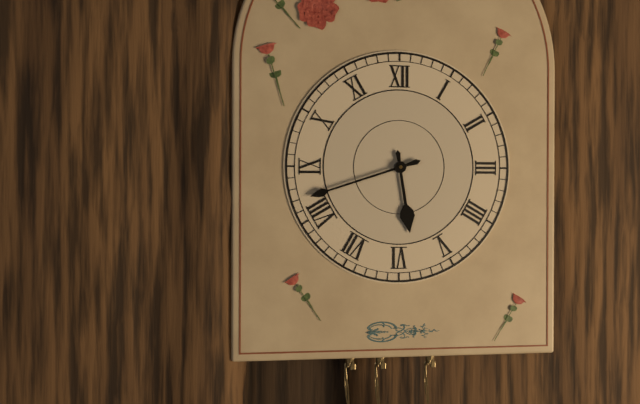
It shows 5:42
